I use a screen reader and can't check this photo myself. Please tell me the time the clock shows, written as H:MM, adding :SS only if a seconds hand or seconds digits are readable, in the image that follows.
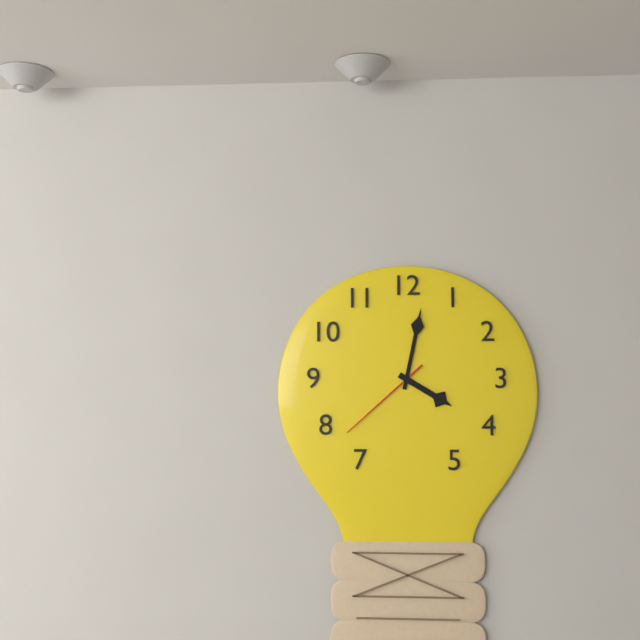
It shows 4:02:38
